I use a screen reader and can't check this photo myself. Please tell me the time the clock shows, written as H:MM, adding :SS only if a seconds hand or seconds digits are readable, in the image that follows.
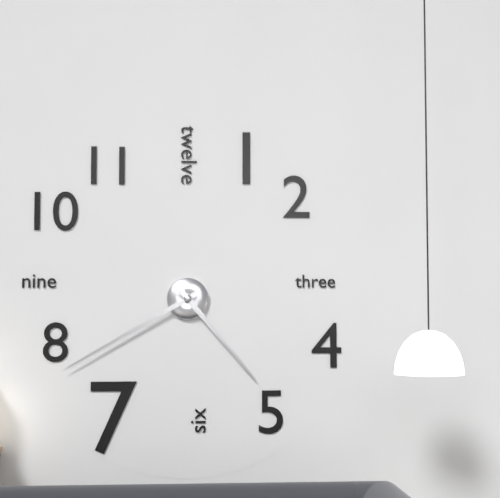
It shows 4:40
